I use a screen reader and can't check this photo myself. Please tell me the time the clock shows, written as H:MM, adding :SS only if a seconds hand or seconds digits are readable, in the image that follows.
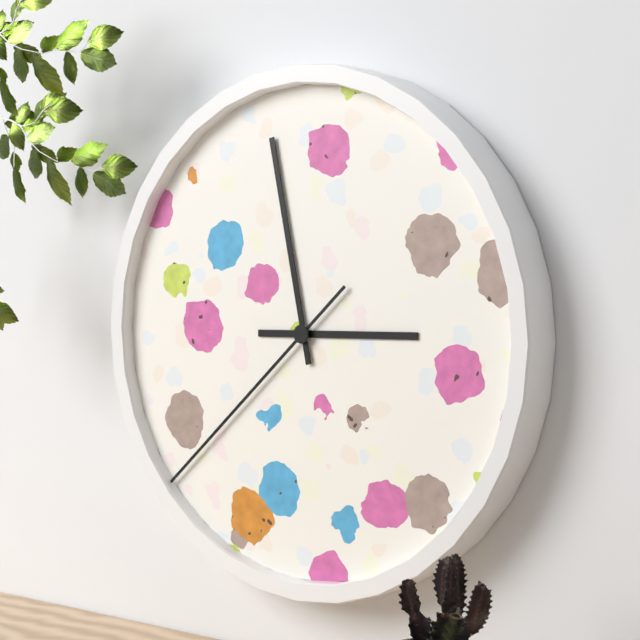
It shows 2:58:38
